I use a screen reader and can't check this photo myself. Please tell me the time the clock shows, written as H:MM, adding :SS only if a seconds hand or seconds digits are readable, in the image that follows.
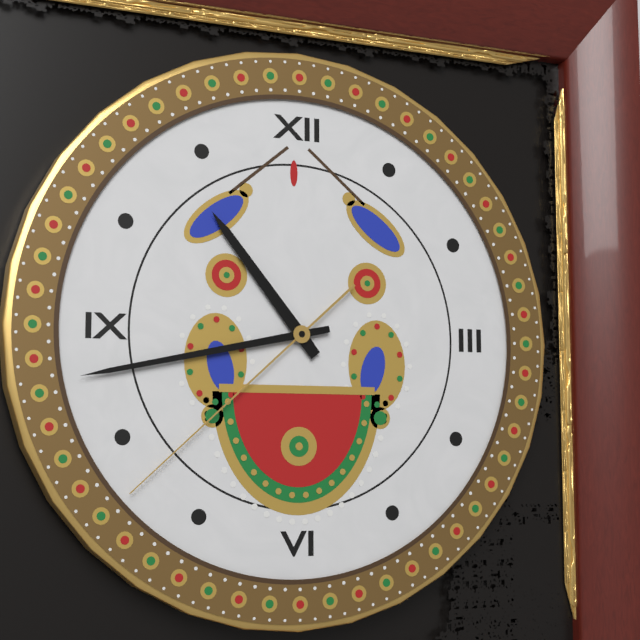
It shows 10:43:38
